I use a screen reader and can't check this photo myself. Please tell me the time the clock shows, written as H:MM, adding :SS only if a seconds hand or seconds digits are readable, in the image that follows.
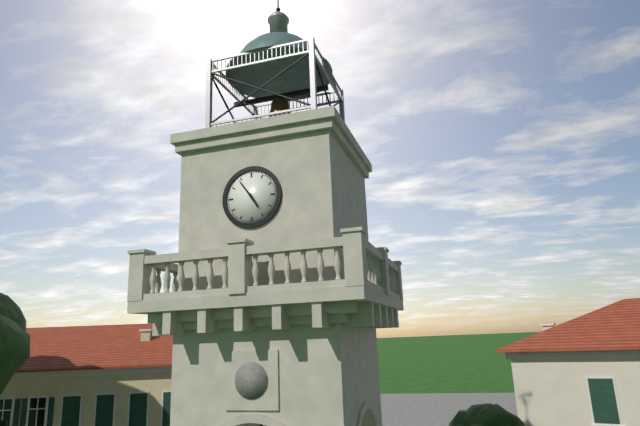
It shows 4:54
